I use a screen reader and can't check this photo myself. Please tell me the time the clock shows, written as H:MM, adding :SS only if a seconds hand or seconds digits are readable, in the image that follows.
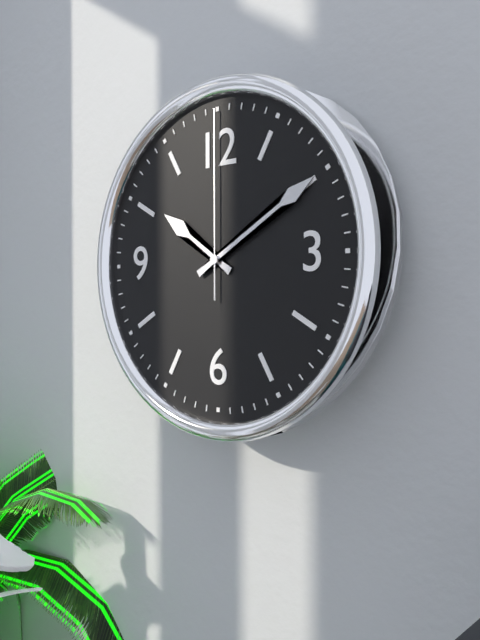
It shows 10:10:00
